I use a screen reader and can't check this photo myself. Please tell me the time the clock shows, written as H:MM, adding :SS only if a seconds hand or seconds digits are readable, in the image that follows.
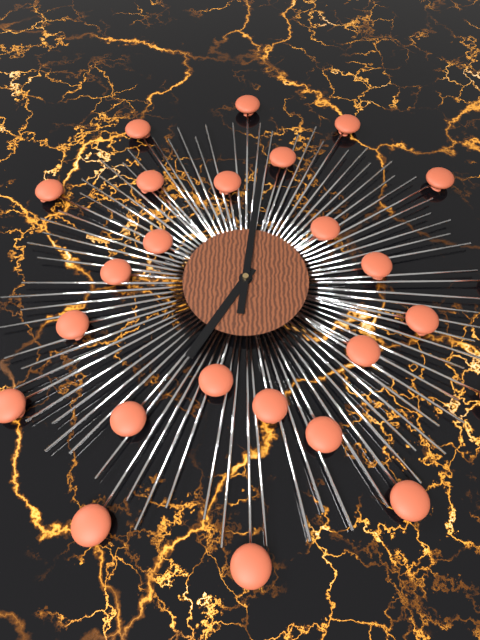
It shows 7:01
